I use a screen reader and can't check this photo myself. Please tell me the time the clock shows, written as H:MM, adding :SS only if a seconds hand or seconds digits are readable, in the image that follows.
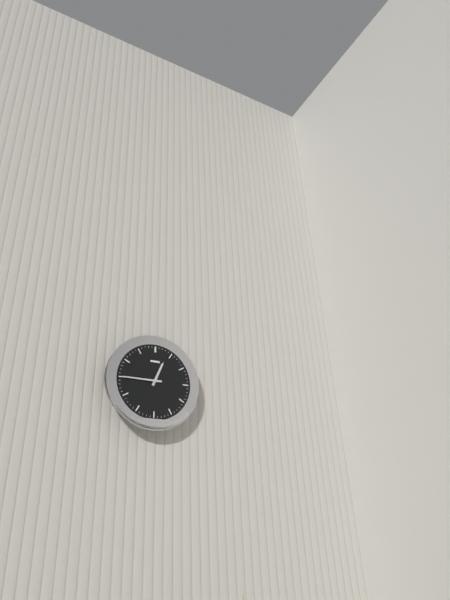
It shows 12:45
